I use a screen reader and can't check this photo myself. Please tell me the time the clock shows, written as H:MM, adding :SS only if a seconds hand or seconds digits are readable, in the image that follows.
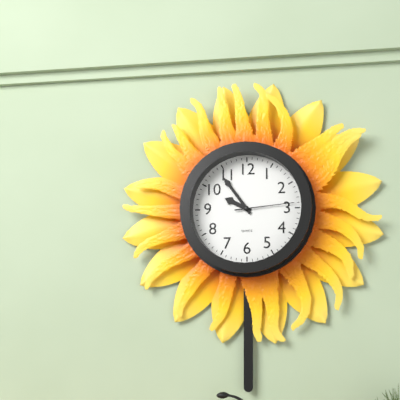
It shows 9:54:14
